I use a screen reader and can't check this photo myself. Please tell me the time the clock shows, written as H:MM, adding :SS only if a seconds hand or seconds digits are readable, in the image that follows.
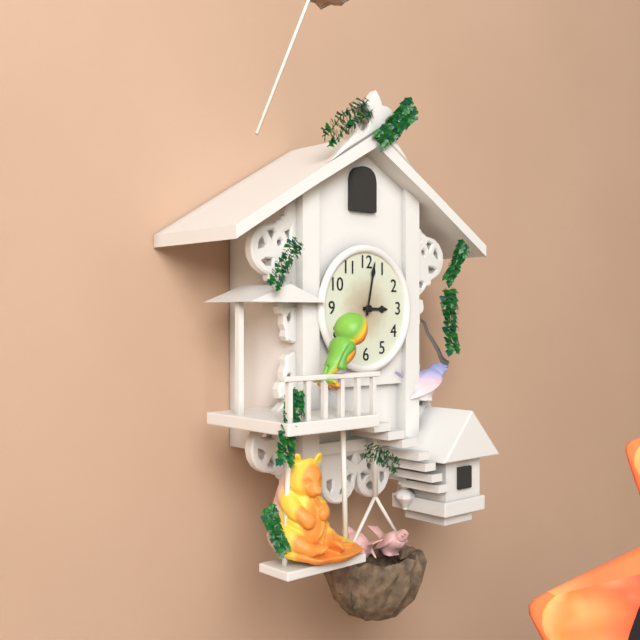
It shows 3:02
